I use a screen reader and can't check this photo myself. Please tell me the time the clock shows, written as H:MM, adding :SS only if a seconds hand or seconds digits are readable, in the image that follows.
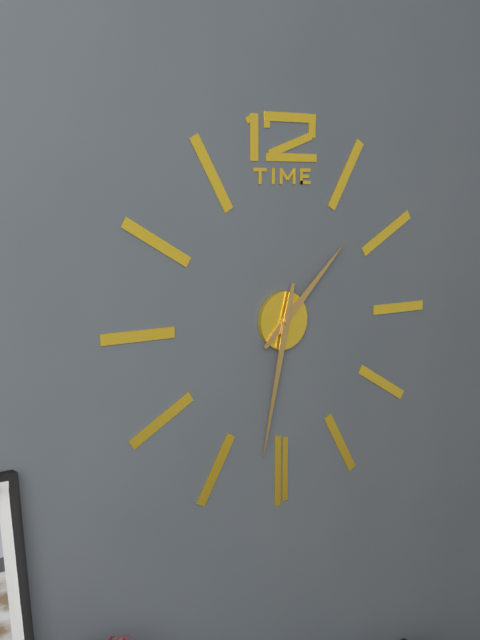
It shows 1:32
